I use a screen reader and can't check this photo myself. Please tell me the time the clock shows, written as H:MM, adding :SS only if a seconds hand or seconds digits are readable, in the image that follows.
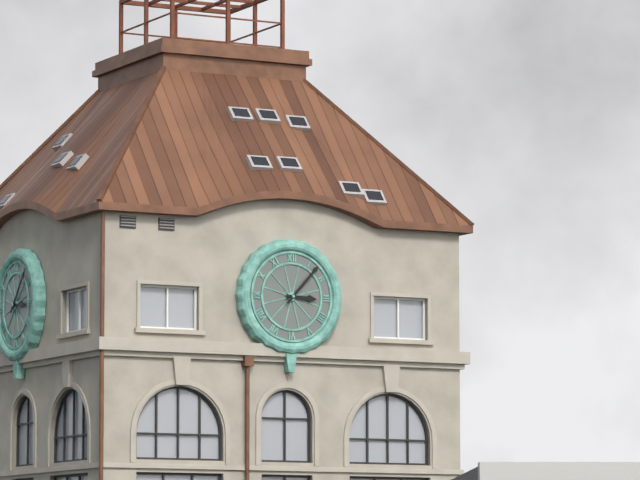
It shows 3:07
